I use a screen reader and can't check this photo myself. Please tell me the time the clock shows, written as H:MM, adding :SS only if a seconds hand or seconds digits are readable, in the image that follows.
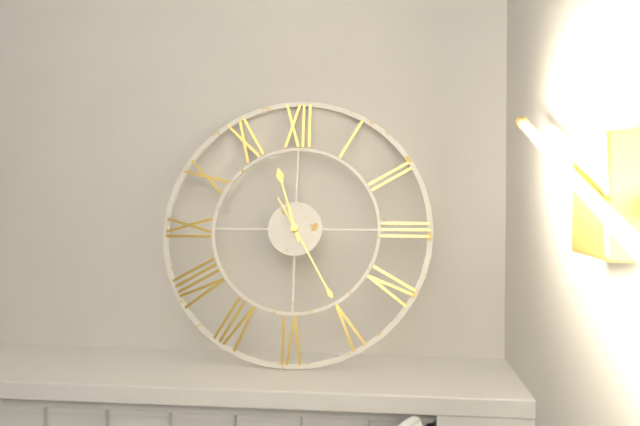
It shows 11:25
